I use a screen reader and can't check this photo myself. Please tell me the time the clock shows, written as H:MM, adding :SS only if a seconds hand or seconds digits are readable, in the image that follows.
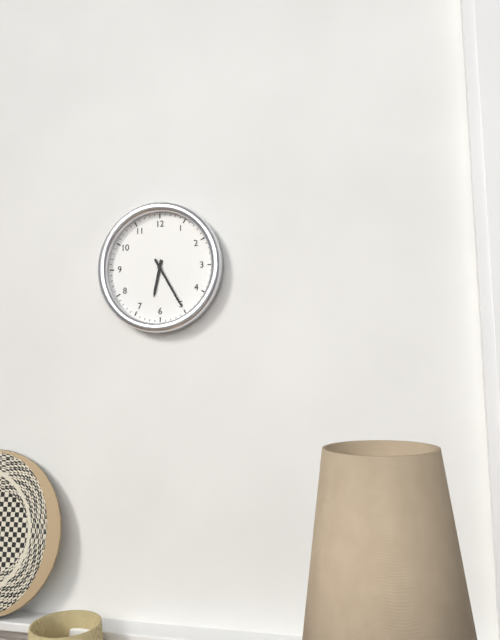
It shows 6:25
